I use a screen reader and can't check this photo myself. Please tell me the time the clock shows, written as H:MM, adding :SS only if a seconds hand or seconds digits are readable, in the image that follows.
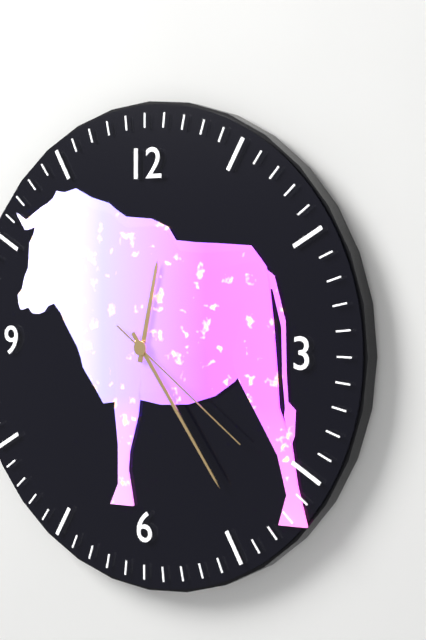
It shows 12:24:21
